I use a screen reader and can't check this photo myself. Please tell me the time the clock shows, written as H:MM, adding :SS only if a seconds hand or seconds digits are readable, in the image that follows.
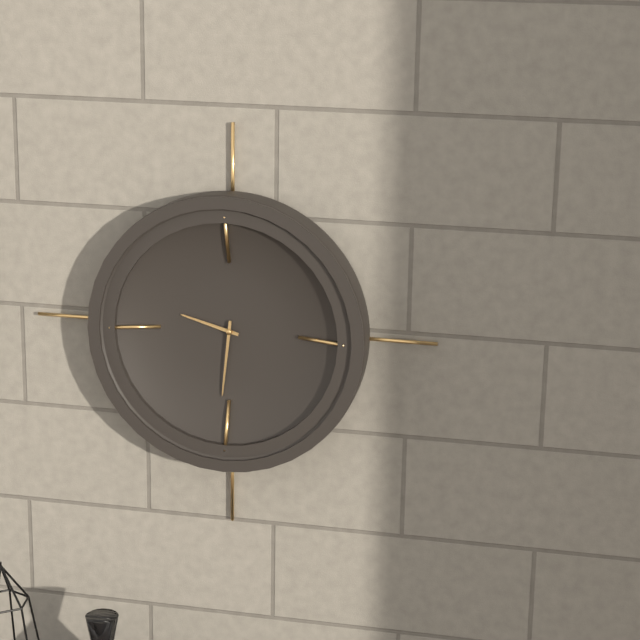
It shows 9:31
